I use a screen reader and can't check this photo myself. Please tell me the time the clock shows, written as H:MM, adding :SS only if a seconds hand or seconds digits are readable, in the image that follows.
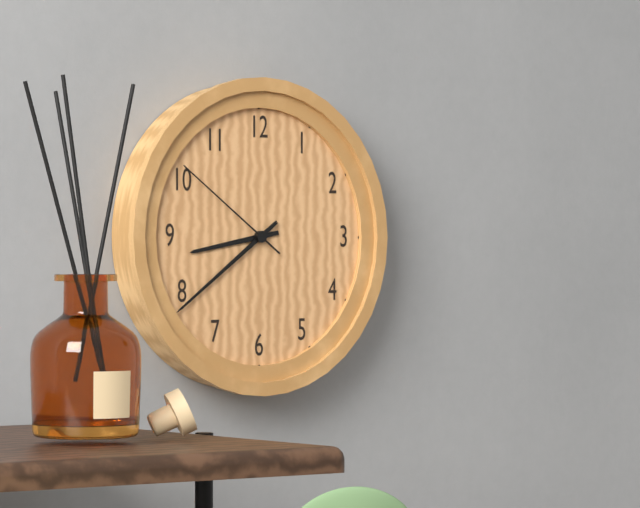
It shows 8:39:51
